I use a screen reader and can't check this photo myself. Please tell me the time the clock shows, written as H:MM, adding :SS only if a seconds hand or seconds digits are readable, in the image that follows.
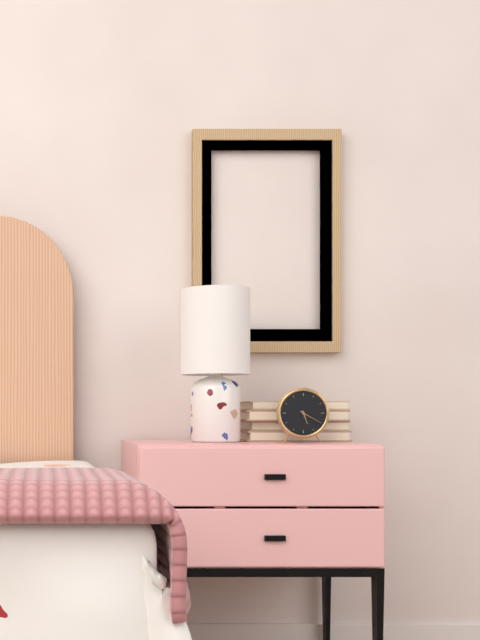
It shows 5:20
